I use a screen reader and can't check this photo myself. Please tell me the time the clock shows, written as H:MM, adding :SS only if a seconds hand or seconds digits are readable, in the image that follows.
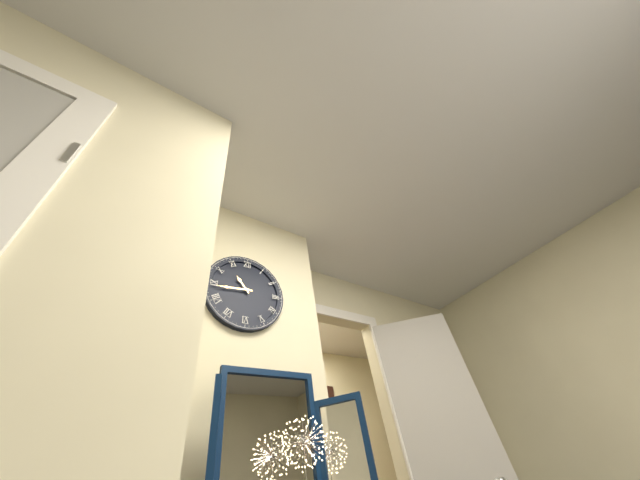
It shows 10:44
